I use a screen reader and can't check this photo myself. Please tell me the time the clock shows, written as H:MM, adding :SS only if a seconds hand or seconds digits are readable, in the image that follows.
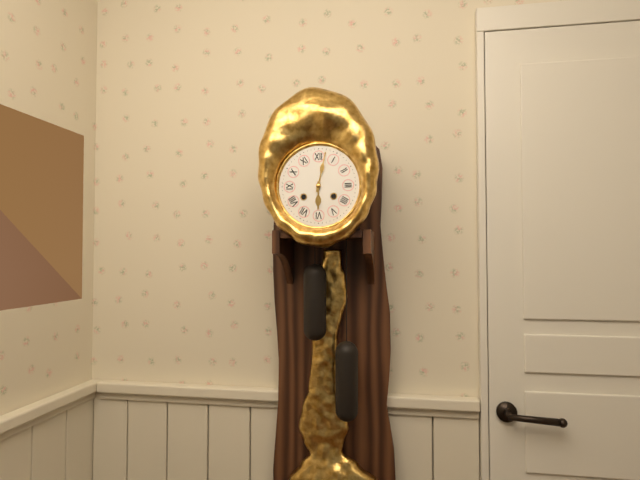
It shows 6:02
